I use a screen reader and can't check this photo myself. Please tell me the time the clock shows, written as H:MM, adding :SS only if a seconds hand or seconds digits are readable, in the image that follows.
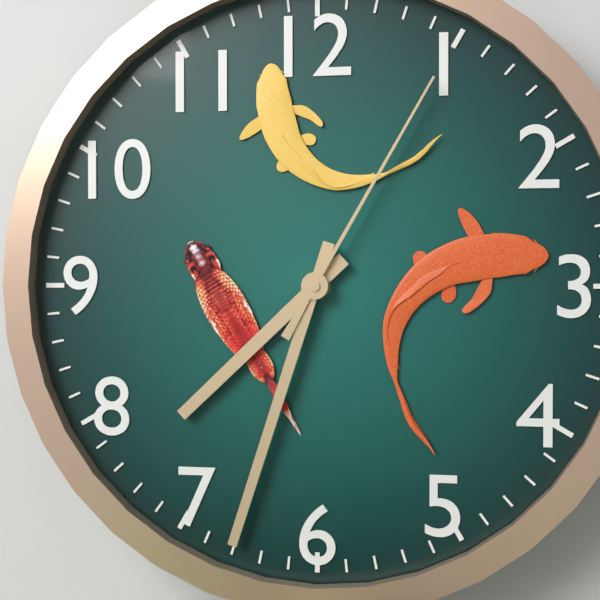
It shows 7:33:05
